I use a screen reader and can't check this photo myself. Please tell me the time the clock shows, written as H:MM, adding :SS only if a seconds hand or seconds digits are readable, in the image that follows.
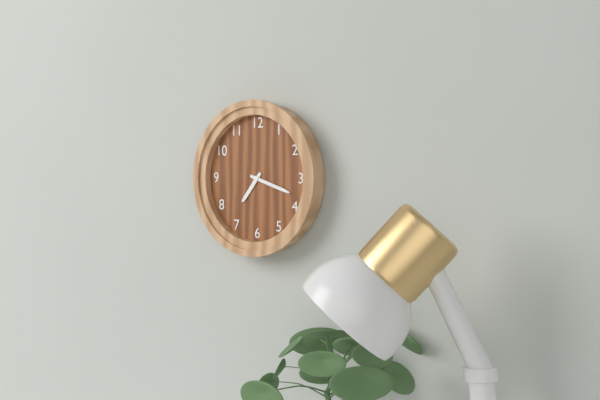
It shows 7:18
